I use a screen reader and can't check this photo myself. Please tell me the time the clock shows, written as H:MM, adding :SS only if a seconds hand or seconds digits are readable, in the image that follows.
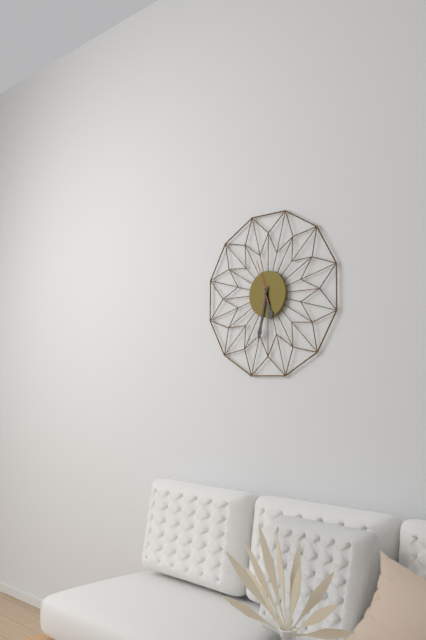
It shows 5:32
